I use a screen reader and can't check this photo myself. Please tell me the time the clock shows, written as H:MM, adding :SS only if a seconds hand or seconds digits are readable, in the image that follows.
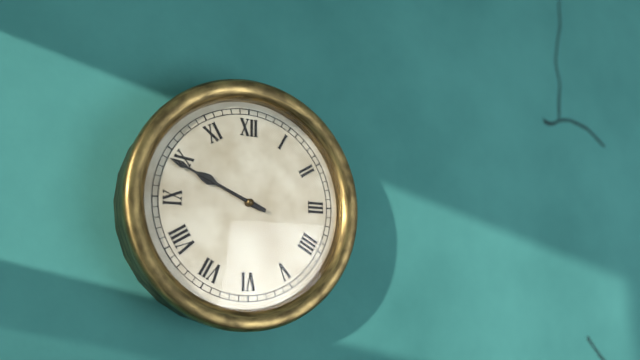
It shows 9:49
